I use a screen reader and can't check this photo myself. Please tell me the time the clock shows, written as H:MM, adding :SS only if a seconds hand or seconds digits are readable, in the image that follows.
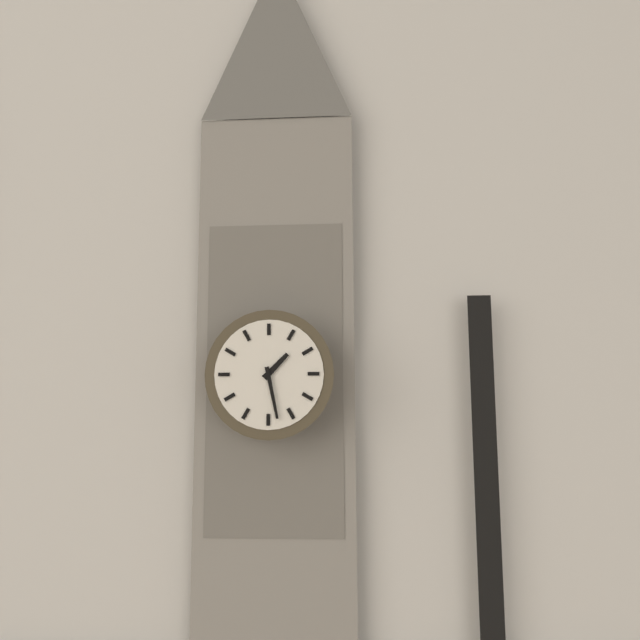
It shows 1:28
